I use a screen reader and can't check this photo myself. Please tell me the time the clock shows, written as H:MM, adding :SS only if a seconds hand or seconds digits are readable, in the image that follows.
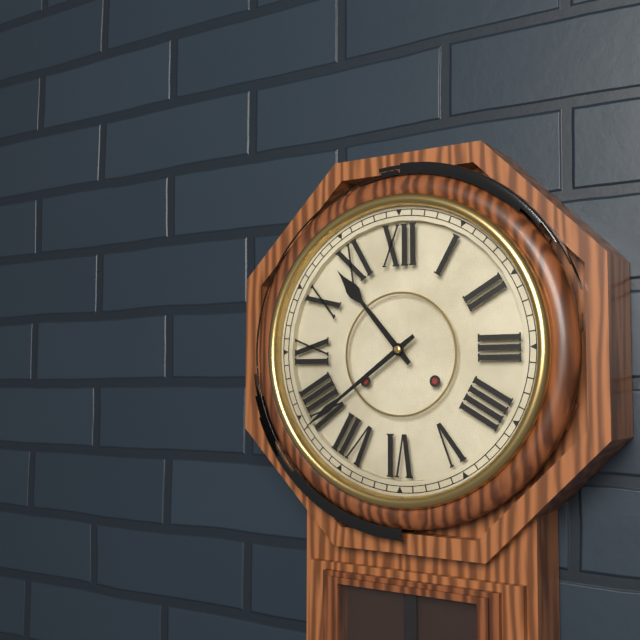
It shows 10:39
